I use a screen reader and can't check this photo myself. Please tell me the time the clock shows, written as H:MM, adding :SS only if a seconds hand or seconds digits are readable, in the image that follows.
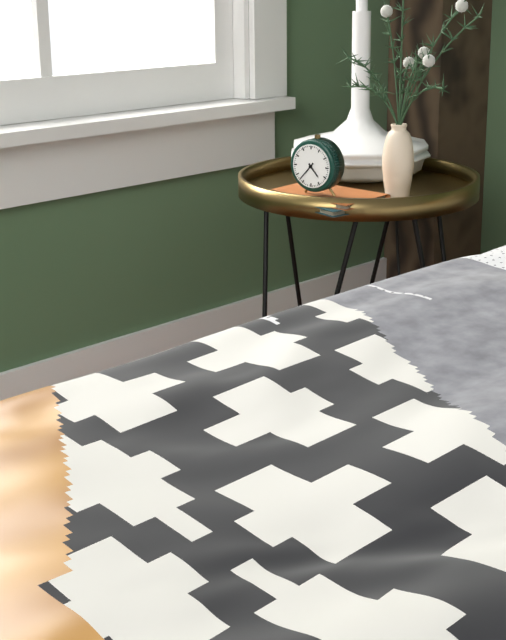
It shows 4:37
